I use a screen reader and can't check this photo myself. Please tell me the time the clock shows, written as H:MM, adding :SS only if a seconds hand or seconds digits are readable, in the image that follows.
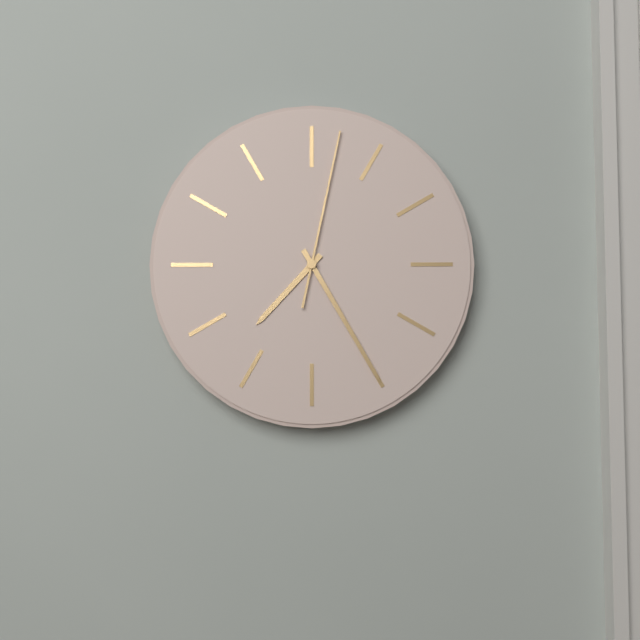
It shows 7:25:02
